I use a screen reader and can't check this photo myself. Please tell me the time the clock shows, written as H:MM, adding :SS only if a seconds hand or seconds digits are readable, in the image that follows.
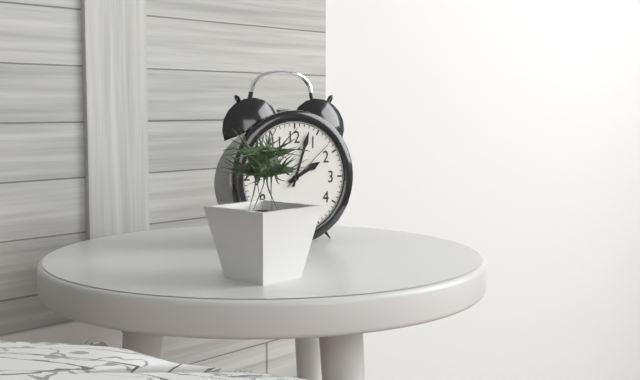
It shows 2:03:08
